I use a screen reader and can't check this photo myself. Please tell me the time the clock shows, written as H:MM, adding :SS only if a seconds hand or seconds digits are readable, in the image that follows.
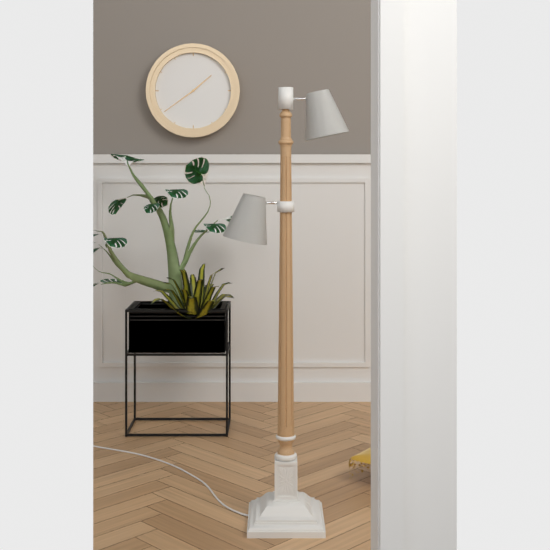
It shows 1:39
